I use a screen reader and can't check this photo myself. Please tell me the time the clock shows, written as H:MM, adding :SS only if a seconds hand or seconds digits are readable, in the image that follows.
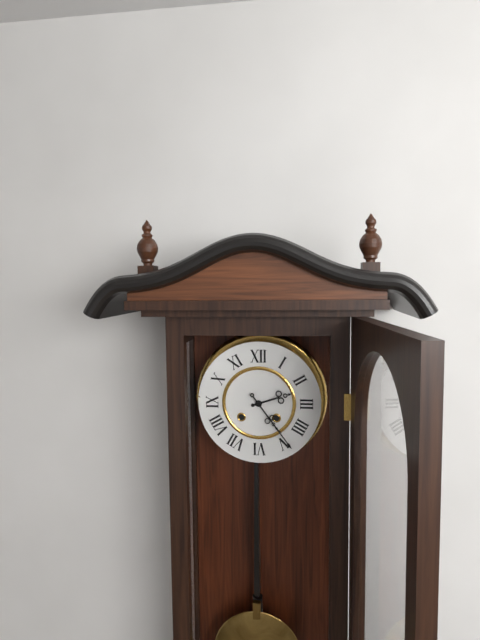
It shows 2:24
